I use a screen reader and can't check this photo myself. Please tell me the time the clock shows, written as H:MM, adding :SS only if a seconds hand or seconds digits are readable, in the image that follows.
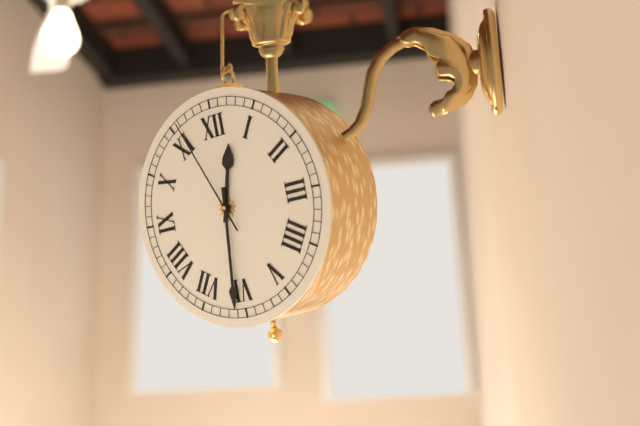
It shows 12:31:56
